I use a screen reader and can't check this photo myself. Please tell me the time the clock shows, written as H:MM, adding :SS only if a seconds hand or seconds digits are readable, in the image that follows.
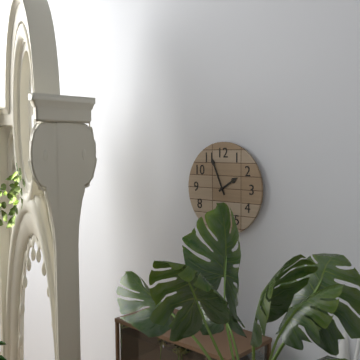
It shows 1:56
